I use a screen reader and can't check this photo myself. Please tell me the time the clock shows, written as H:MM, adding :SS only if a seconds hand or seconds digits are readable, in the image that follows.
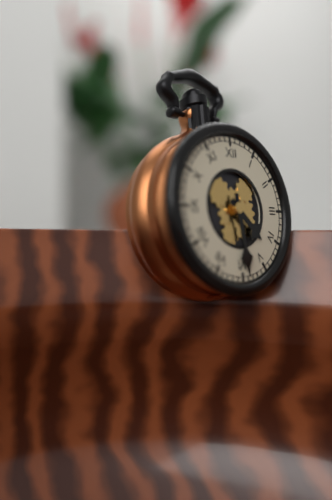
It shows 4:29
